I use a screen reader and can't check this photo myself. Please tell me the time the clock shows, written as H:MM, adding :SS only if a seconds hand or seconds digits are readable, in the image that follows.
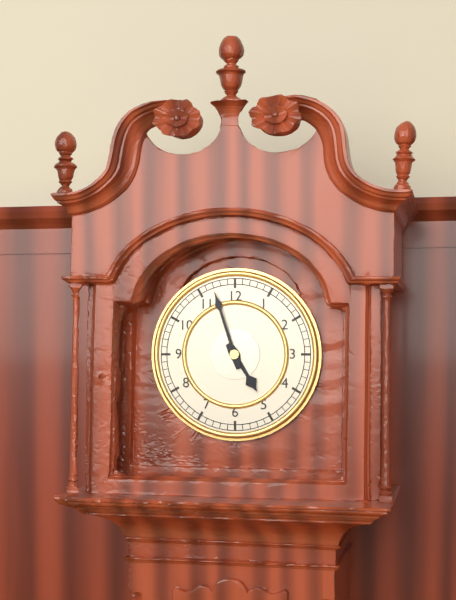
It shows 4:57
